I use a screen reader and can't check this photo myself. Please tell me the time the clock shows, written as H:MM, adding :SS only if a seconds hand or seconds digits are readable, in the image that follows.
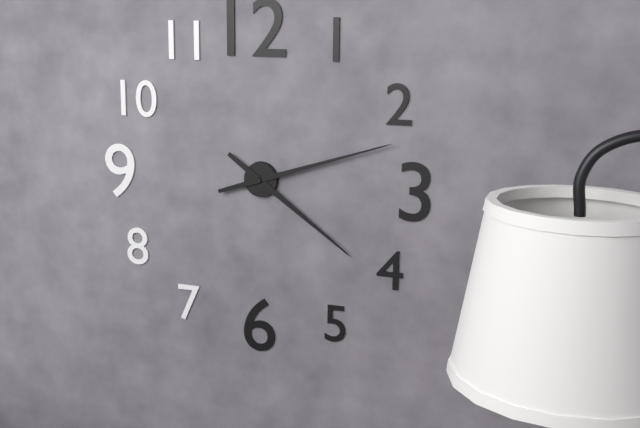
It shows 4:12
